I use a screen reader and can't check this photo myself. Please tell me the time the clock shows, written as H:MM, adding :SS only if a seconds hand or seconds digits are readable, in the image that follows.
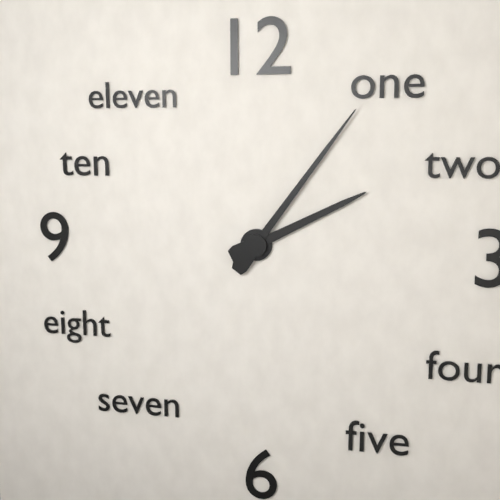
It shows 2:06
